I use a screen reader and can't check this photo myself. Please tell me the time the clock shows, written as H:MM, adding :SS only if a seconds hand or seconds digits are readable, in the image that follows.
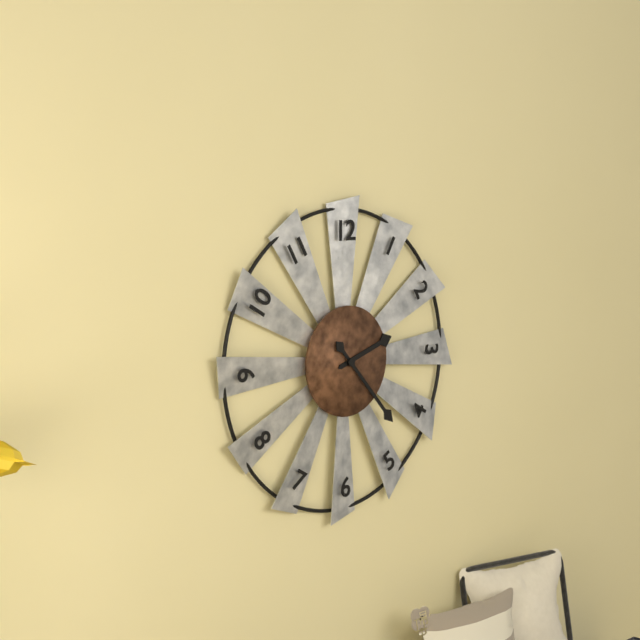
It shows 2:23
